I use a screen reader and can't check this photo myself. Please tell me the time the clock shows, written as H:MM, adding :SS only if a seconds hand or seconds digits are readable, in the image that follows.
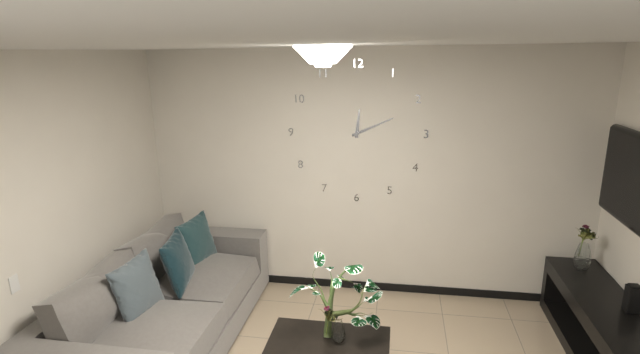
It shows 12:11
